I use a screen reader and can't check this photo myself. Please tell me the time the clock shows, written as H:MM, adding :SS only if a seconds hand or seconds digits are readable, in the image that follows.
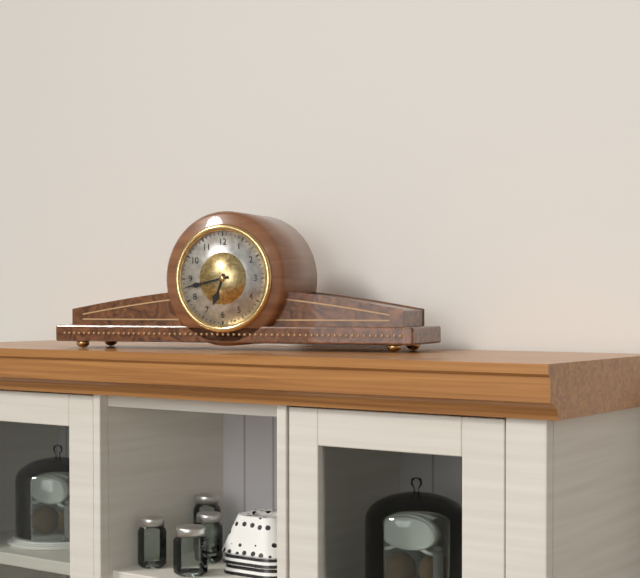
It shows 6:43
